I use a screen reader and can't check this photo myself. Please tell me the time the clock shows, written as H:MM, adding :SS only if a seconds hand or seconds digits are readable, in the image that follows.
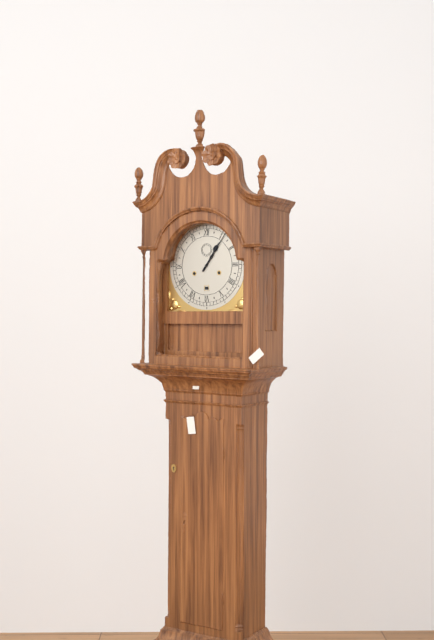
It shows 1:06
